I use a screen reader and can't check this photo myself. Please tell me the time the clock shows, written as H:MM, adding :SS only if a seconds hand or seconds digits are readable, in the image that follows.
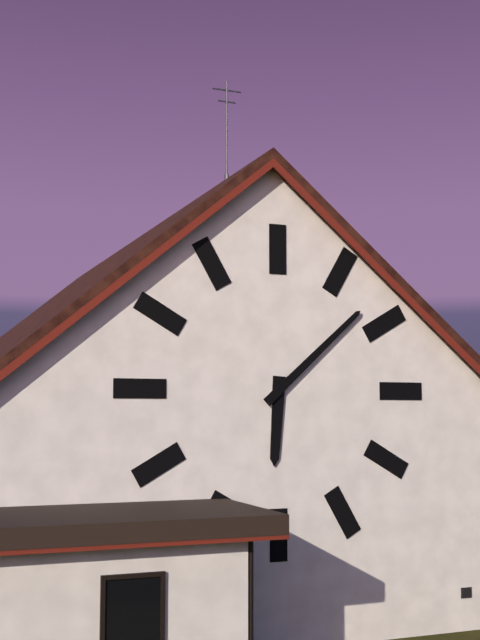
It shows 6:08
